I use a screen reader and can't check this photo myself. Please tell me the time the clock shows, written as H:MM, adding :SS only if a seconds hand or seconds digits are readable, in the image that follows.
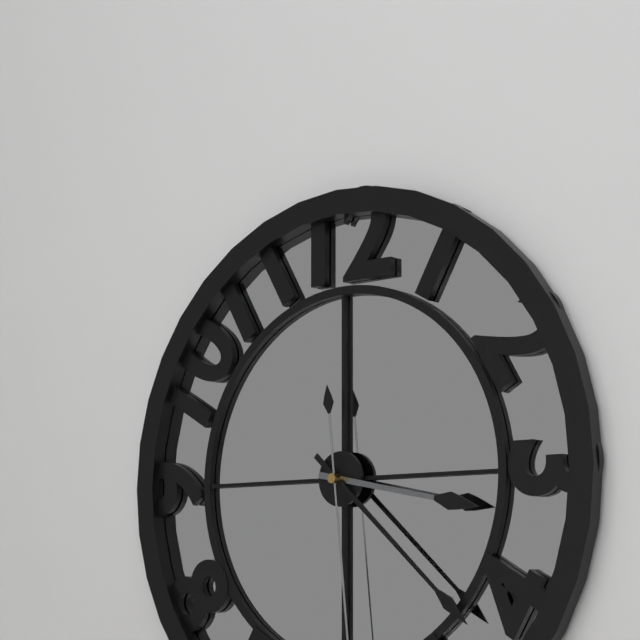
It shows 3:22
